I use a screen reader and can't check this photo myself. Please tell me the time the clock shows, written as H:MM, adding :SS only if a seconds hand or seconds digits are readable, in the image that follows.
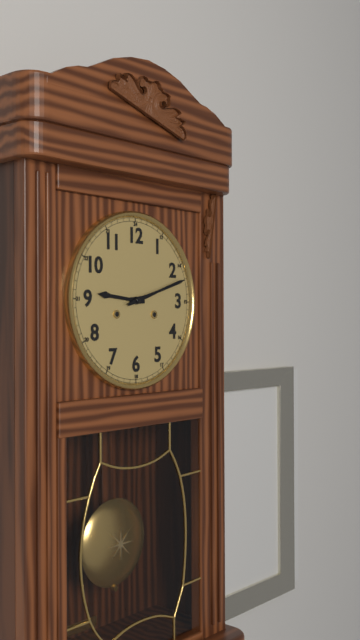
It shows 9:12
